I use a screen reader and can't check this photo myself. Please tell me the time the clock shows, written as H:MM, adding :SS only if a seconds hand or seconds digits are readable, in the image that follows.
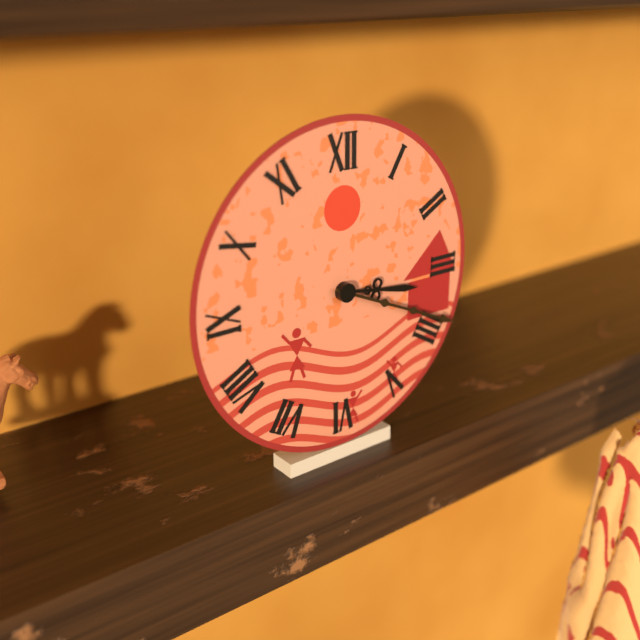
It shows 3:19
